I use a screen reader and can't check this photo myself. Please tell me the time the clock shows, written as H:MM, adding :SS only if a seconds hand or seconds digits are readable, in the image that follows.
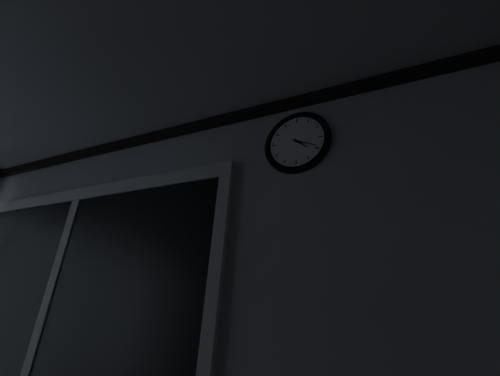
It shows 4:19
